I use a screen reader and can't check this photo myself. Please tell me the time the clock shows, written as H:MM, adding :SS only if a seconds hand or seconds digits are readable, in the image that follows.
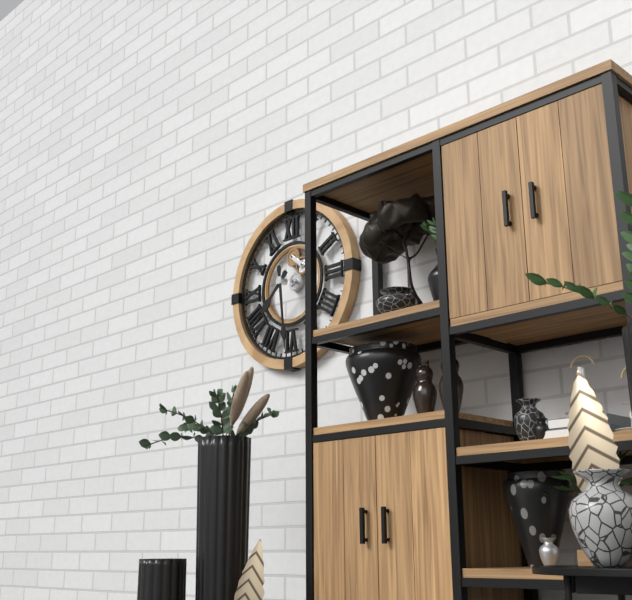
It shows 7:29
